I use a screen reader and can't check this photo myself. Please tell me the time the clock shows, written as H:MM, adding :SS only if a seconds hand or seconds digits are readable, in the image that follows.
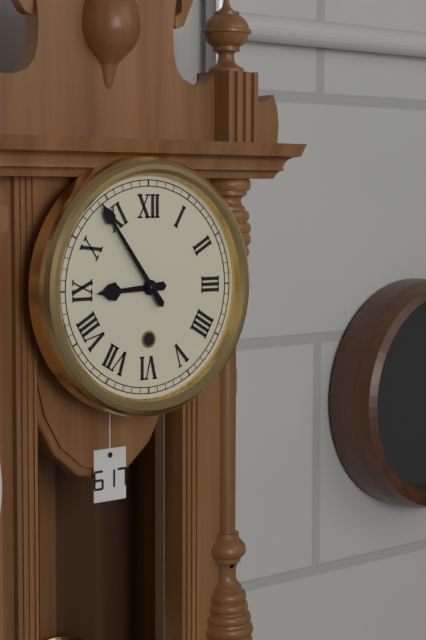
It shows 8:54
